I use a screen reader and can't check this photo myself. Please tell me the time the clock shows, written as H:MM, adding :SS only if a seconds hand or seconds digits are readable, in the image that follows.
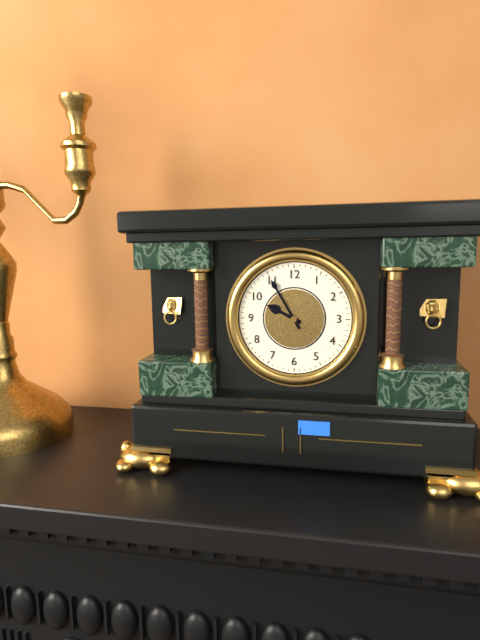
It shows 9:55
